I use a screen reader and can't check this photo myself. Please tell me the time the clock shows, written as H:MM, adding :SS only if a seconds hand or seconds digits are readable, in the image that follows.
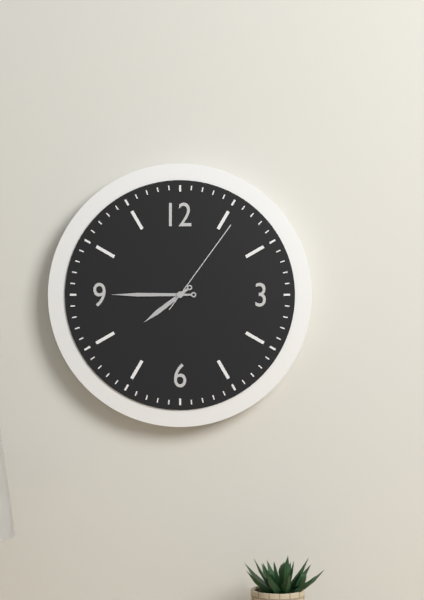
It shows 7:45:06
